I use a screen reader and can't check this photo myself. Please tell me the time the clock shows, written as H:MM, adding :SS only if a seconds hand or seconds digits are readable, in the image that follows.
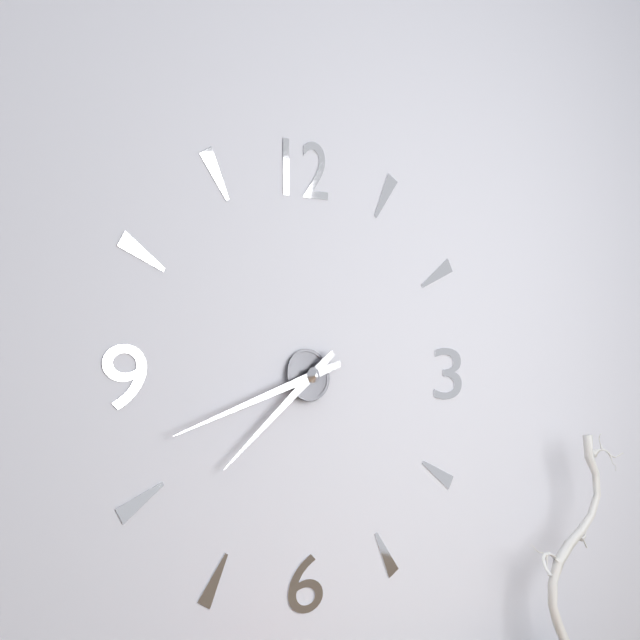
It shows 7:42
